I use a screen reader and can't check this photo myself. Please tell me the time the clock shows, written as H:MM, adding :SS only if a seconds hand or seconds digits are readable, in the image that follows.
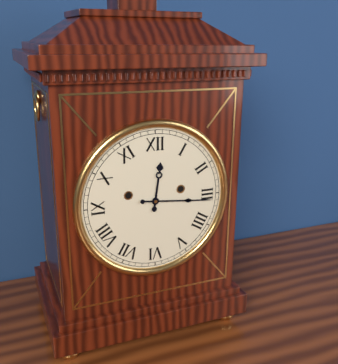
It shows 12:16
